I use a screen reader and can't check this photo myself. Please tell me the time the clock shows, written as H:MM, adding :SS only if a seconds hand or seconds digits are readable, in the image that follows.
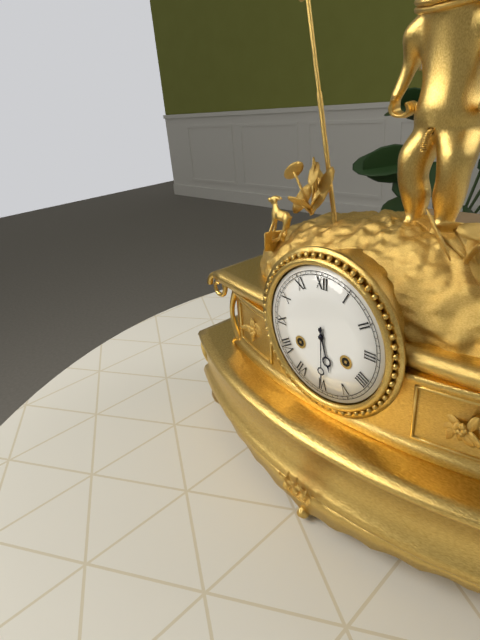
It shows 5:30
